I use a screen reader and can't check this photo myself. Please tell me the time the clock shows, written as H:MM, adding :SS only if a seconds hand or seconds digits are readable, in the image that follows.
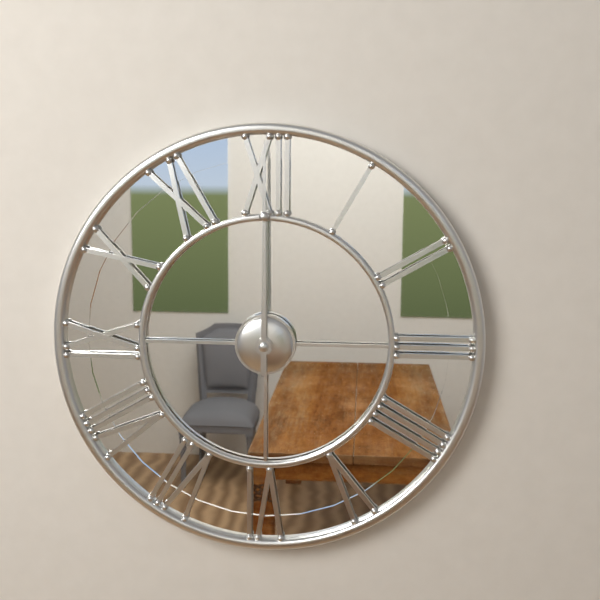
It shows 12:00
